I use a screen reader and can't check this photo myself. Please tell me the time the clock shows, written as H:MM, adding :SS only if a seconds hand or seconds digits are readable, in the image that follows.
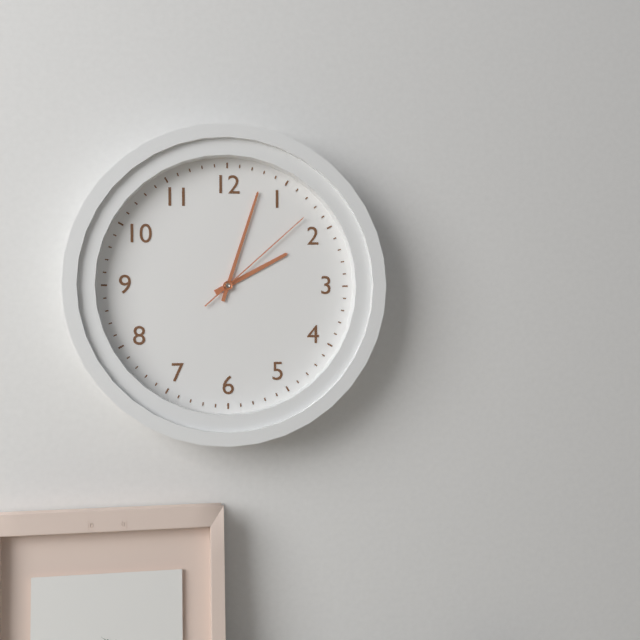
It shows 2:03:08
